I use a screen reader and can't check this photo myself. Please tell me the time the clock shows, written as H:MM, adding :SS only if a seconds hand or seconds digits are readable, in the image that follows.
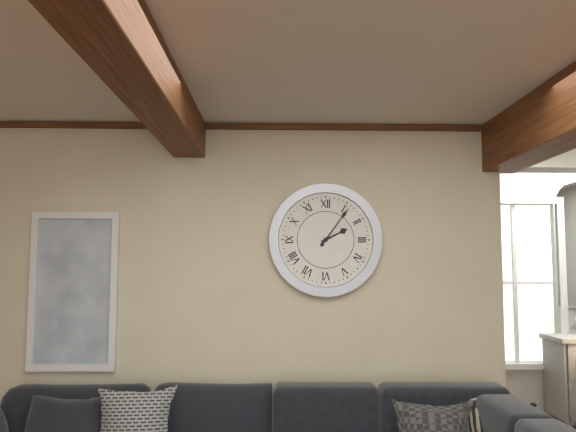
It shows 2:06
